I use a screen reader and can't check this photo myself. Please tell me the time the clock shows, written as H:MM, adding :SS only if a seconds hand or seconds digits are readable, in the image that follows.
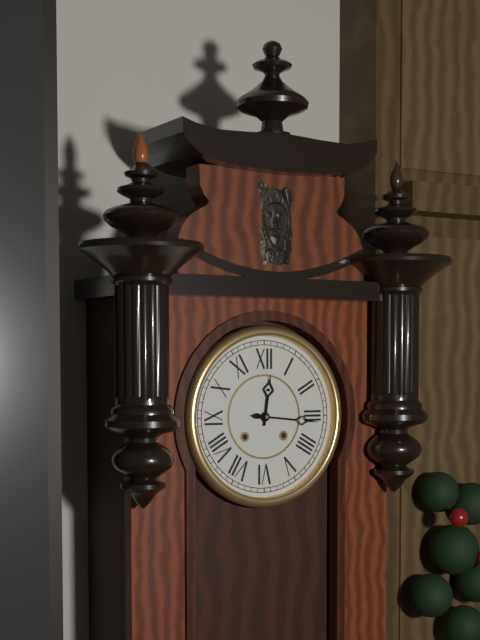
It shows 12:16
